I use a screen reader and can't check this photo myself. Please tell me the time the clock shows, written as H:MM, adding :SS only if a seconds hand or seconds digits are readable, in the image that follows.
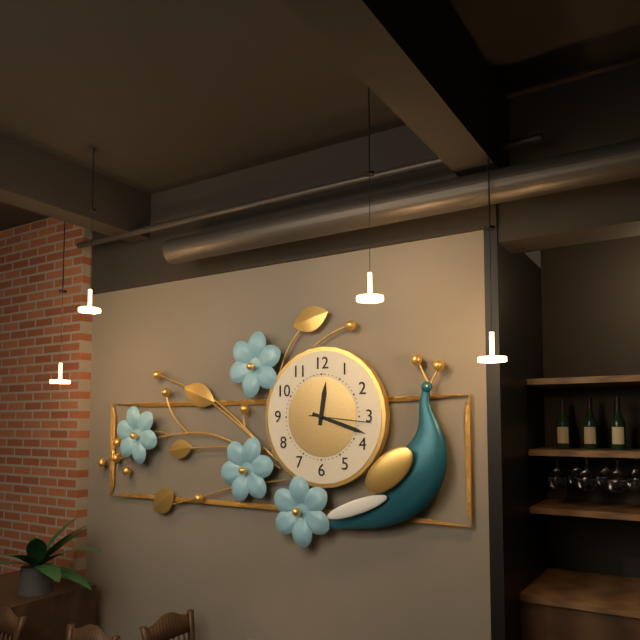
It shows 12:18:16
